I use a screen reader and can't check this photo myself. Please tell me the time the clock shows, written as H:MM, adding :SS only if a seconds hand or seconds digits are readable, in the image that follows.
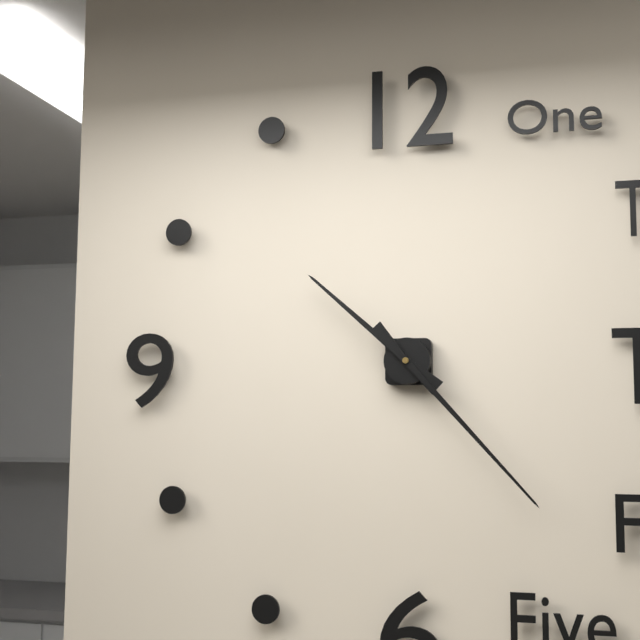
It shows 10:23
